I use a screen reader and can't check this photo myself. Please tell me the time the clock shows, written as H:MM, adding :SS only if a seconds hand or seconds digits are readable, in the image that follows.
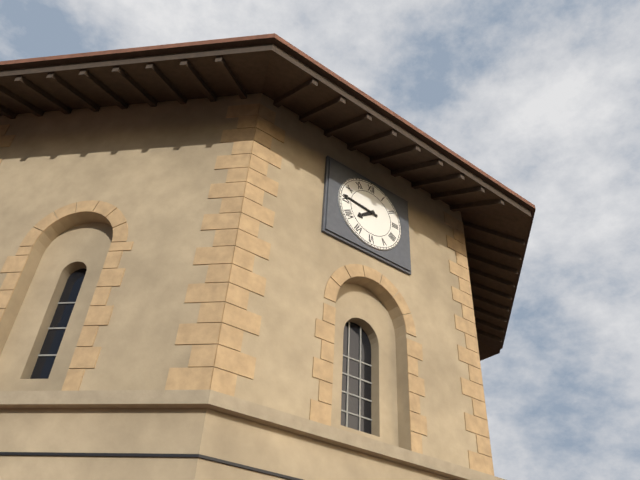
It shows 7:46
